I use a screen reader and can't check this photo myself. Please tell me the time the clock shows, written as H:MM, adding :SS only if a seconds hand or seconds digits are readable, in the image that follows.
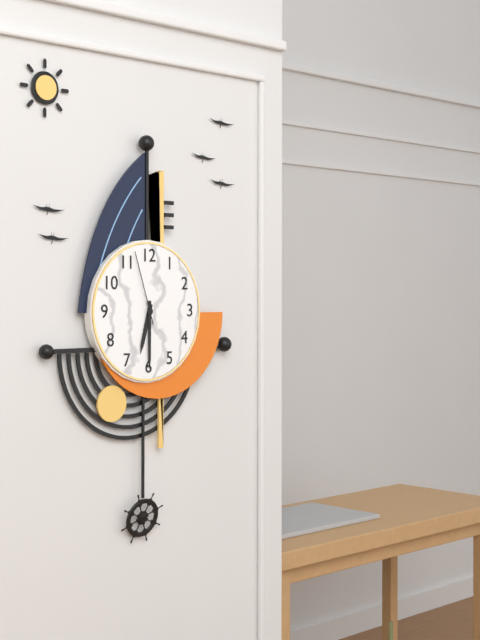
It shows 6:30:57
